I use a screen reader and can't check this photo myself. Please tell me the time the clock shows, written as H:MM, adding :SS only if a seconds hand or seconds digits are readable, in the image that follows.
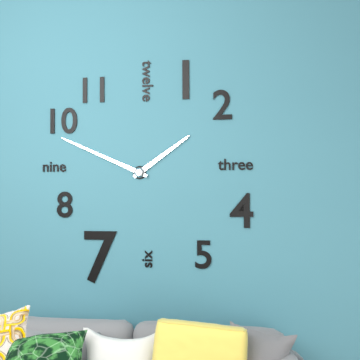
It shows 1:49
